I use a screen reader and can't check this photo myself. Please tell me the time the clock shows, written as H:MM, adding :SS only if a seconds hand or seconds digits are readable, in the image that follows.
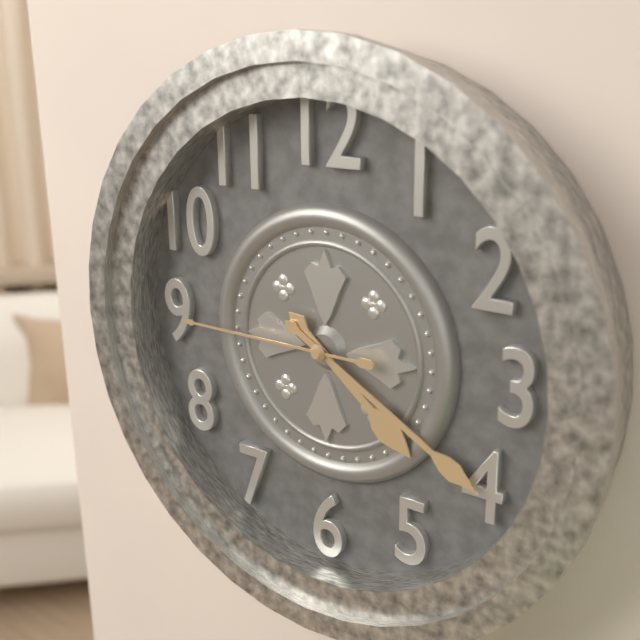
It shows 4:20:45
